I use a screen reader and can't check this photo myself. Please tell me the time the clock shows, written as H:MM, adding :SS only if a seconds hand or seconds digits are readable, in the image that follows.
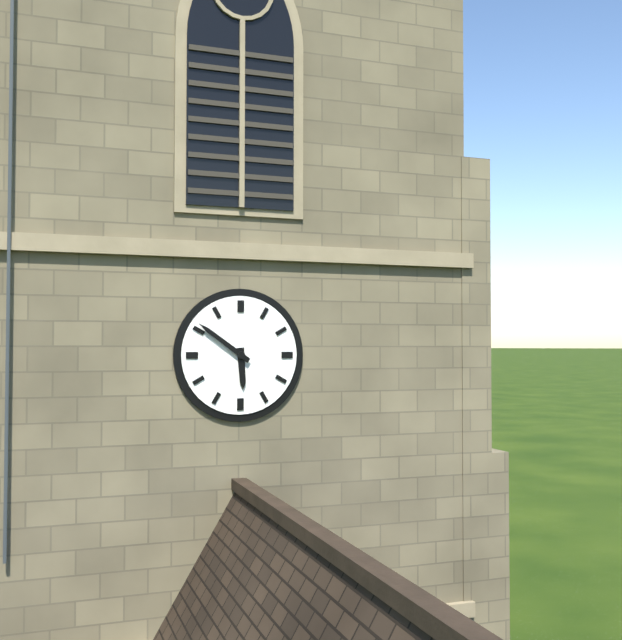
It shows 5:51
